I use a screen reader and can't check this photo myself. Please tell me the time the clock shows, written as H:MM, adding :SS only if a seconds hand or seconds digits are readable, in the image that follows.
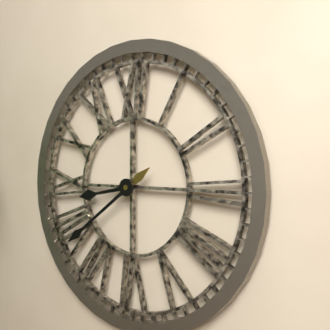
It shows 8:39
